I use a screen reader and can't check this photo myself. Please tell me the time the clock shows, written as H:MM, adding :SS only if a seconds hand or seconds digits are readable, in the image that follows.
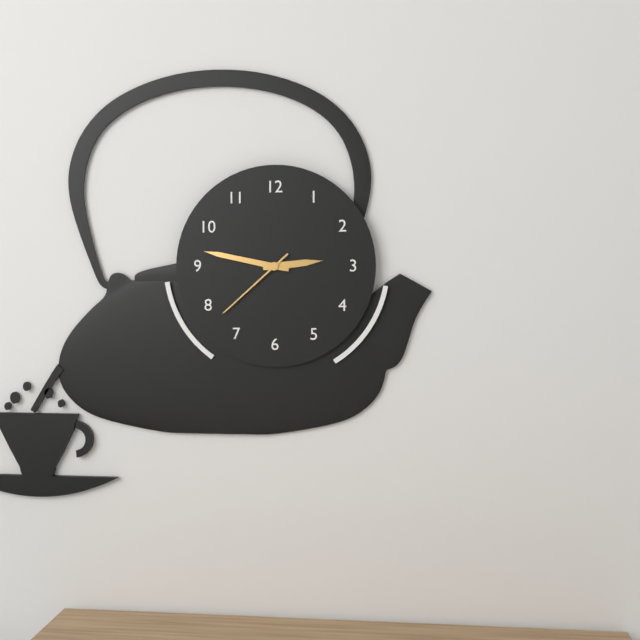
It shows 2:47:38
